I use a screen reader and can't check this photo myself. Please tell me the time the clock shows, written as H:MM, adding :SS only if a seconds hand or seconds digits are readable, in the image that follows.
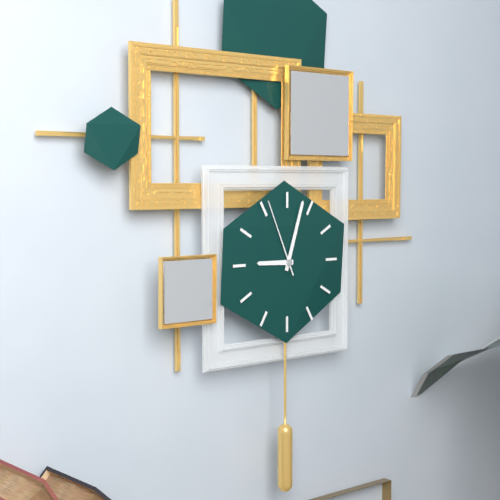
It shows 9:03:56
